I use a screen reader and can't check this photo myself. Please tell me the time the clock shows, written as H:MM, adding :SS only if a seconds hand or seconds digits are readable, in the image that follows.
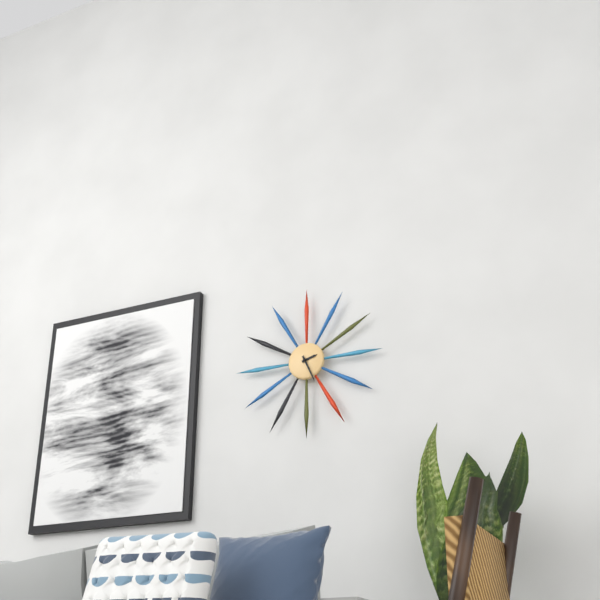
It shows 2:26
